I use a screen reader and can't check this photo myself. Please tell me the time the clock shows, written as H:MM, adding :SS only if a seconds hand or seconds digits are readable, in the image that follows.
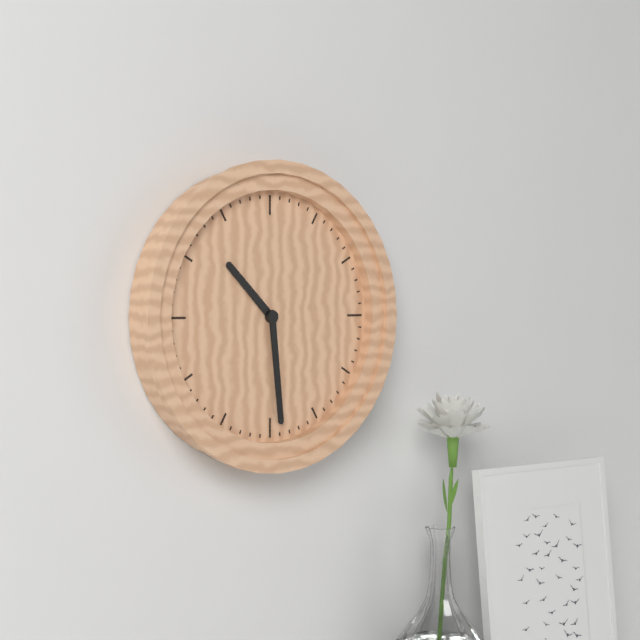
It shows 10:29
